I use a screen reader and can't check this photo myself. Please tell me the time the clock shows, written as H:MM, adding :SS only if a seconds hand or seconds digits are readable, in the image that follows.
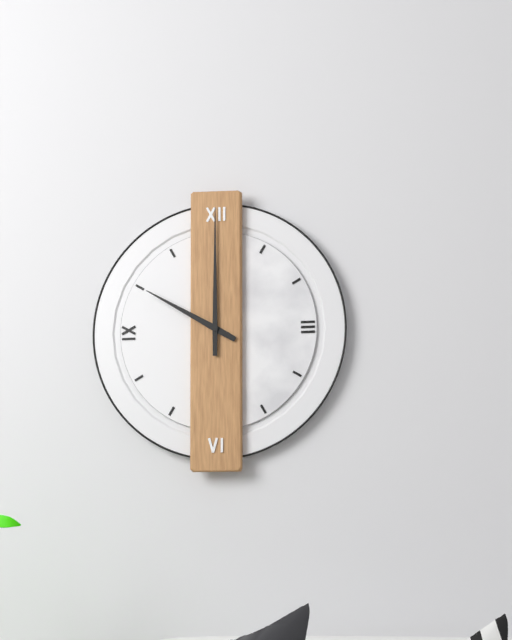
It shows 10:00
